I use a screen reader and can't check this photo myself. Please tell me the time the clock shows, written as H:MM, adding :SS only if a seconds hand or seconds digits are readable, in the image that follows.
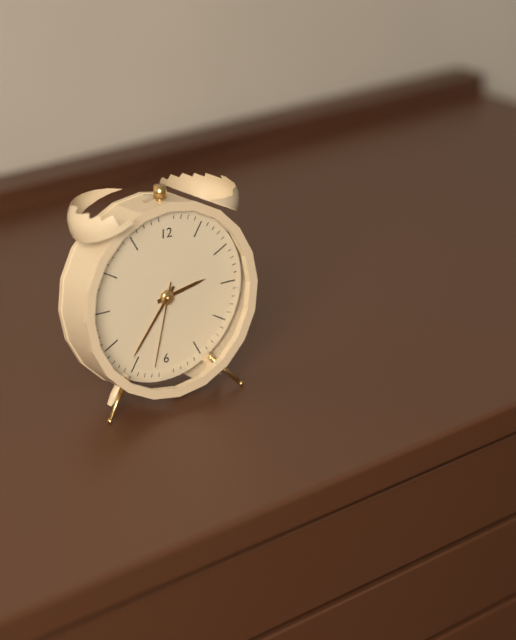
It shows 2:36:32
